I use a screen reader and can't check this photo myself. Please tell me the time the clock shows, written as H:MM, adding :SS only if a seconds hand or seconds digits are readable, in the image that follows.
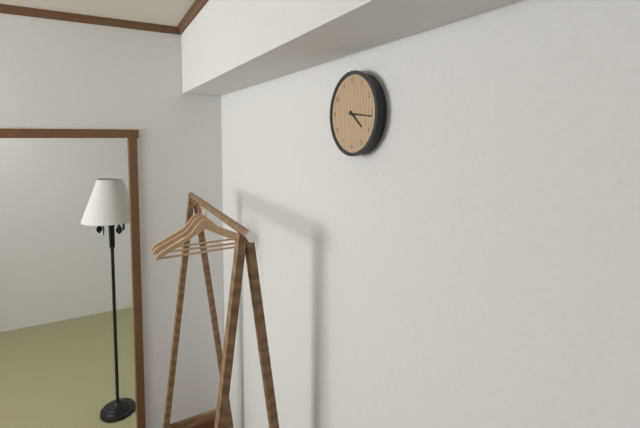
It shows 4:16
